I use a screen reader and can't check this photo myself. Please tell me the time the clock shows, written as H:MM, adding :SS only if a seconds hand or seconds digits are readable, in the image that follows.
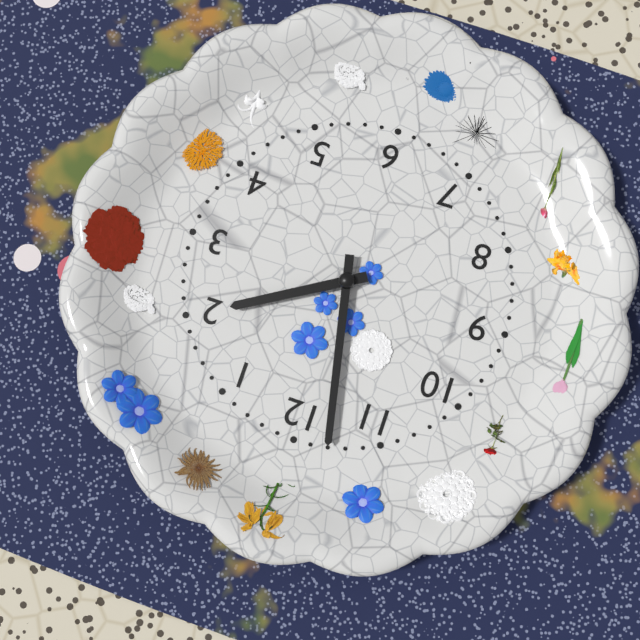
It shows 1:58
